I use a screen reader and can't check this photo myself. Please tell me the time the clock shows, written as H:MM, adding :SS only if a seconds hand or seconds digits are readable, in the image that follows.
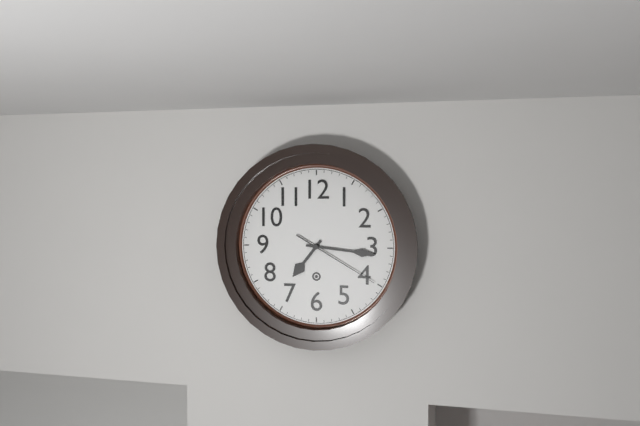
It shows 7:16:20
